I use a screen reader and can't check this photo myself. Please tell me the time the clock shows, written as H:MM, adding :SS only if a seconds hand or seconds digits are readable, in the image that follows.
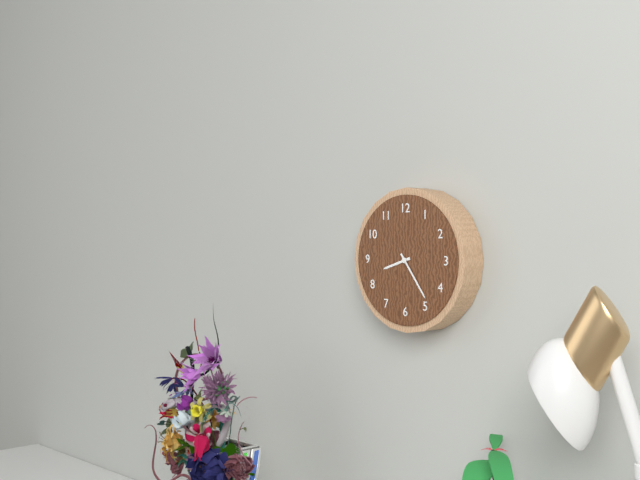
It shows 8:24
